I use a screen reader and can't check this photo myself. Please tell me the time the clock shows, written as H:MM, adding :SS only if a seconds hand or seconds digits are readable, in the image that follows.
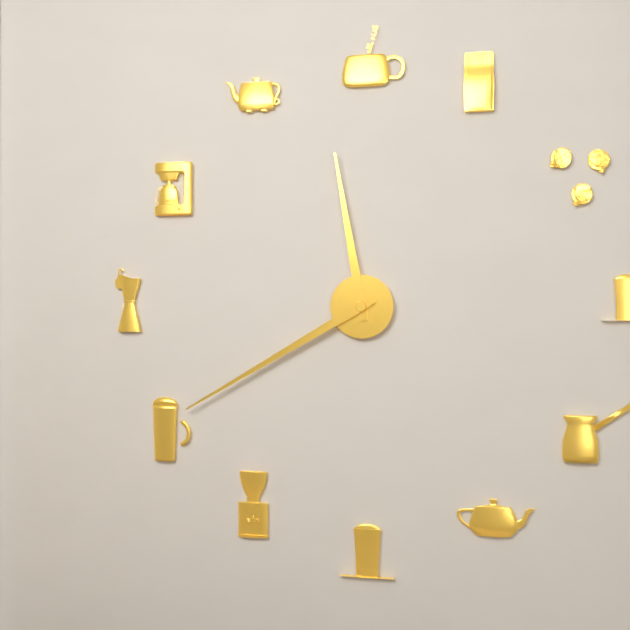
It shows 11:40
